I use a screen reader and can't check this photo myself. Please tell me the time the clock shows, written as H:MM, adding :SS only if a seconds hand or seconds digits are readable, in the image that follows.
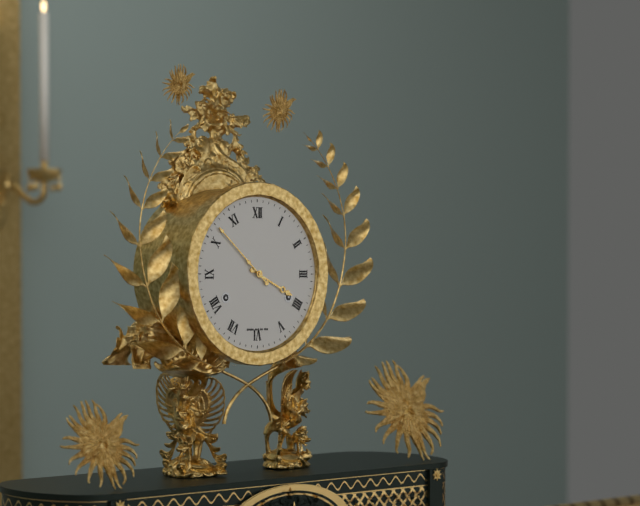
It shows 3:52
